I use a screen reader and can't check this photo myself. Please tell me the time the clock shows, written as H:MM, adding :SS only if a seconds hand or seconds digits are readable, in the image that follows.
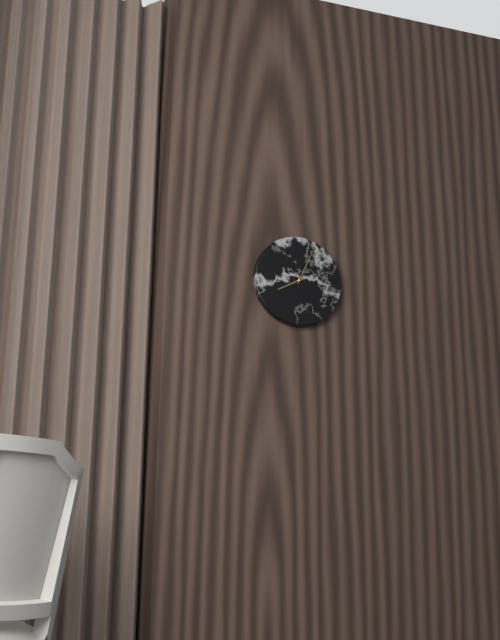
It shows 8:04
